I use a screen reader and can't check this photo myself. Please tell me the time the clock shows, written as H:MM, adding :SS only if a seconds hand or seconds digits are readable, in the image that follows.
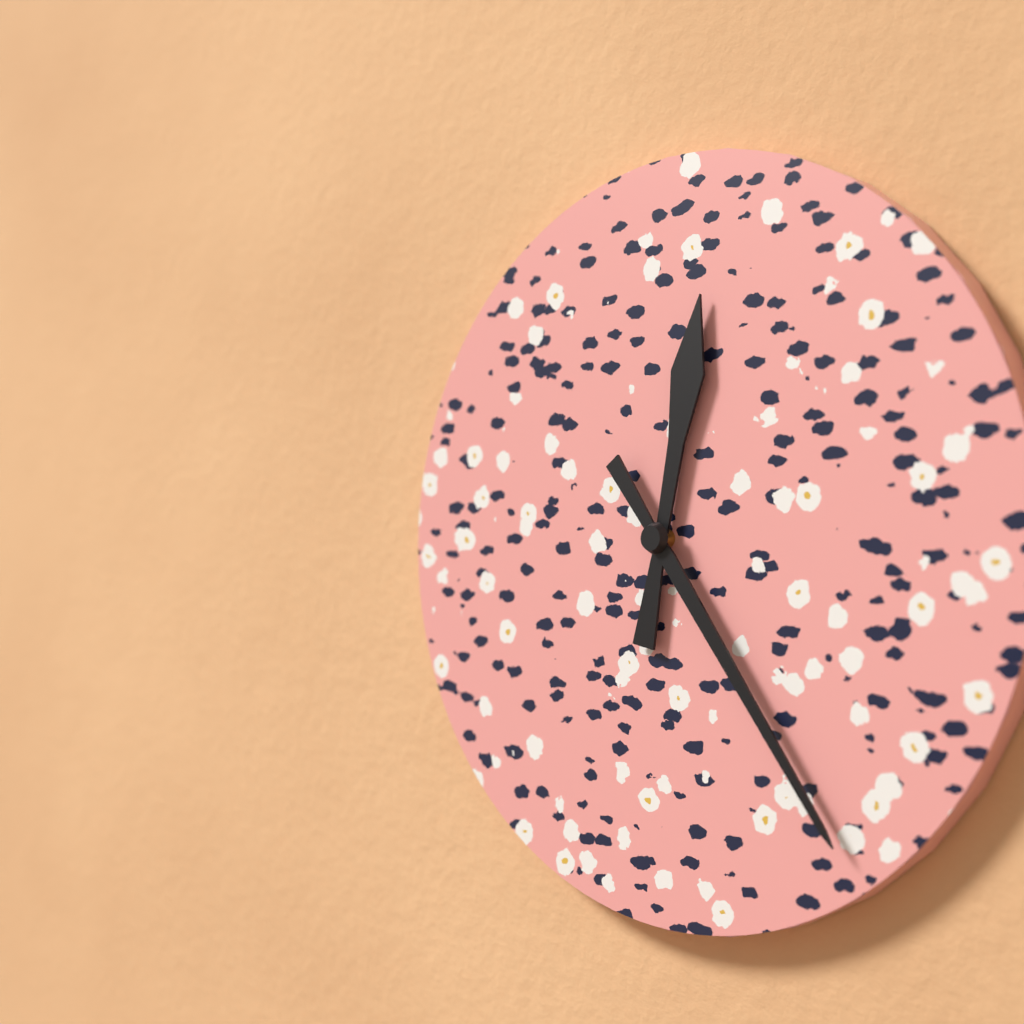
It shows 12:24
